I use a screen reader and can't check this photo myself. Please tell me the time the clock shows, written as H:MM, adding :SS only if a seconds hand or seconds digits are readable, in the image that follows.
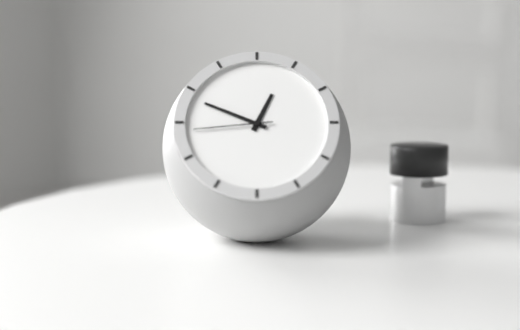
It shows 12:49:44
